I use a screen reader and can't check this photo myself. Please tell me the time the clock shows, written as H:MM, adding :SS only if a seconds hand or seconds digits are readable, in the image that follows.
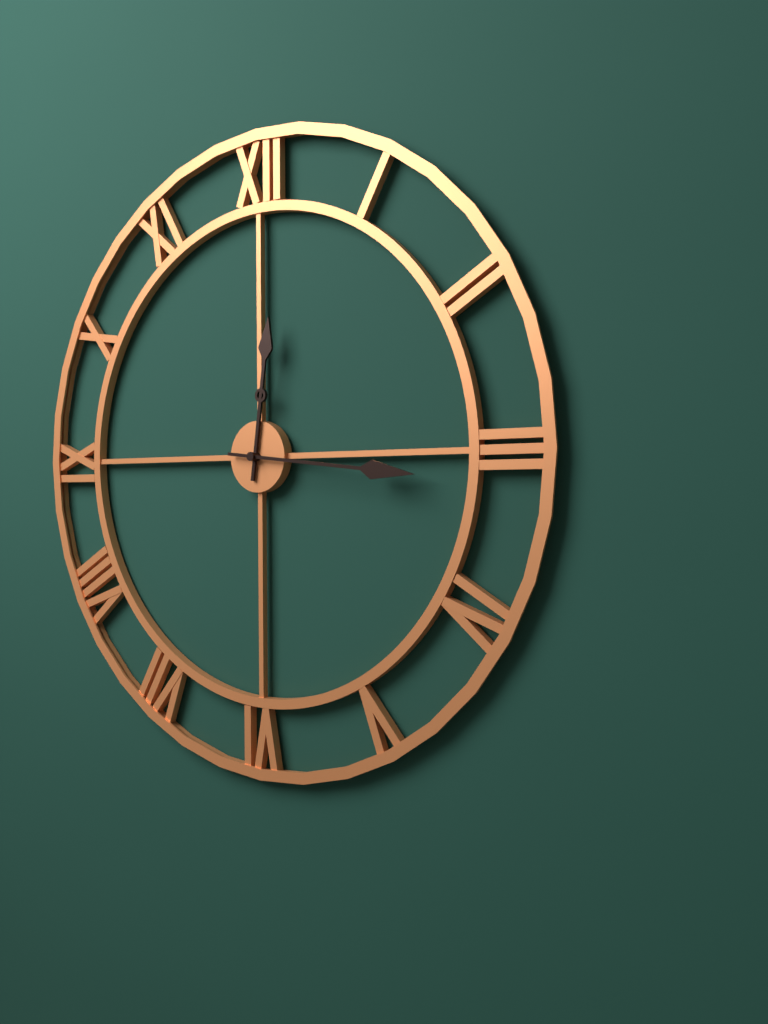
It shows 12:16
